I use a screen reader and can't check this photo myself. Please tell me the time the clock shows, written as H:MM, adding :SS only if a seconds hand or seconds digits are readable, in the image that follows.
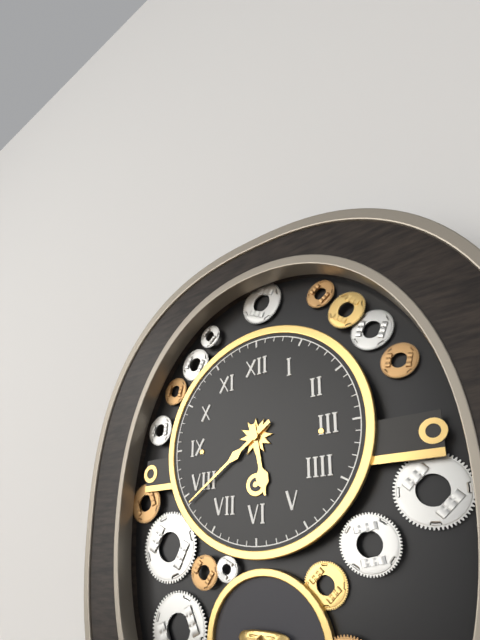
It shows 5:39
